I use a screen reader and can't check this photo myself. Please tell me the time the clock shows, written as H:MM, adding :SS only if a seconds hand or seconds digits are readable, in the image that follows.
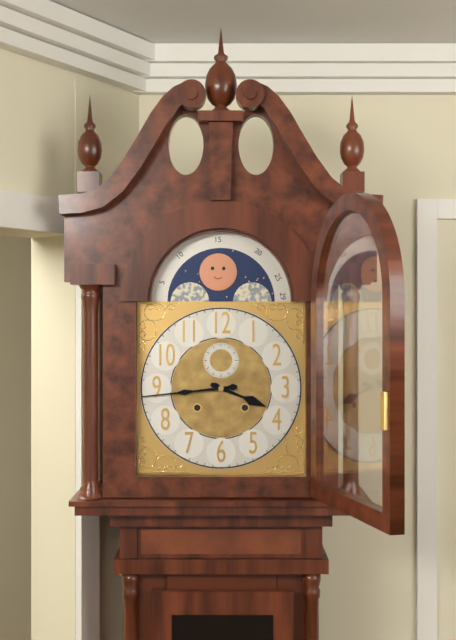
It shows 3:44
